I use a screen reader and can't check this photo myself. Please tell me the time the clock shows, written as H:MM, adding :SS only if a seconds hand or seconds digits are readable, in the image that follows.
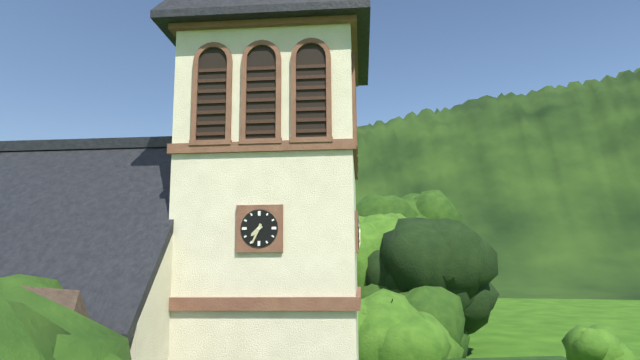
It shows 7:34
